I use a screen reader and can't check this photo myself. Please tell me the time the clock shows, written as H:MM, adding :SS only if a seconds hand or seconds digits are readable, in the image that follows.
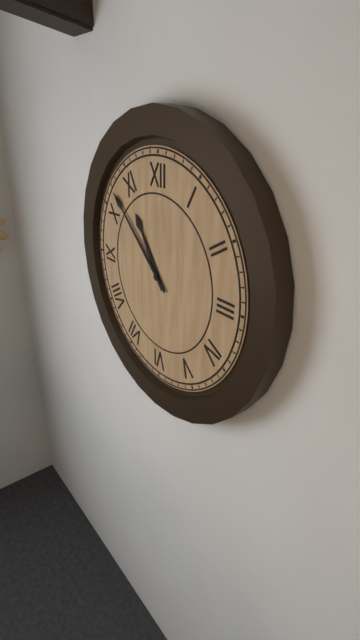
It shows 10:52
